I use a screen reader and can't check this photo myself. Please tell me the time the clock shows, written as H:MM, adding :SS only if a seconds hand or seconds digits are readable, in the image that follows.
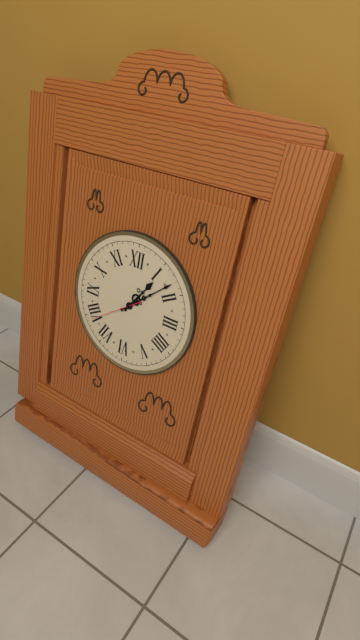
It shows 1:08:39
